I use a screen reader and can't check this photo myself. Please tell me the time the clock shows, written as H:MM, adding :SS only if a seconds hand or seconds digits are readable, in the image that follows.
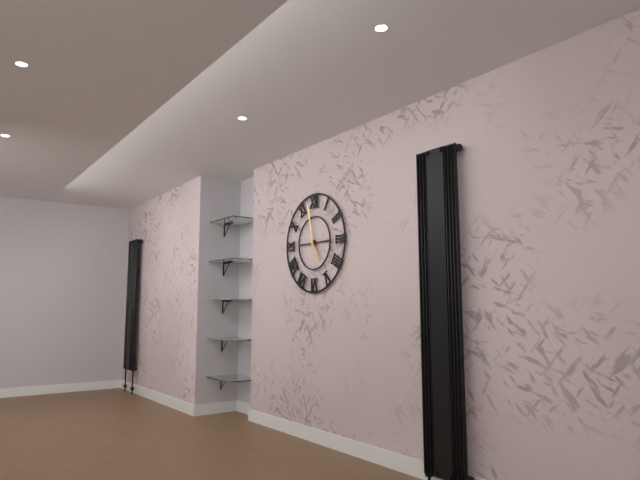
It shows 4:58
